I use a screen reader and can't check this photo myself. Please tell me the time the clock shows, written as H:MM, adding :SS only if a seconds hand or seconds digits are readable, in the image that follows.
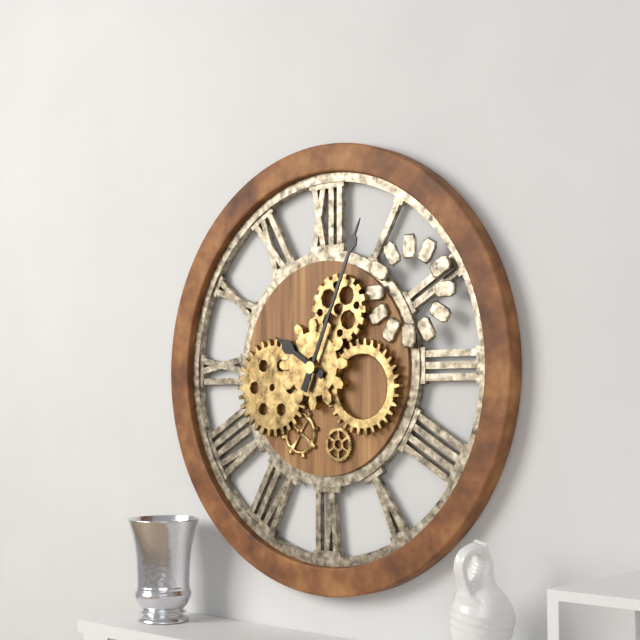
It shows 10:04
